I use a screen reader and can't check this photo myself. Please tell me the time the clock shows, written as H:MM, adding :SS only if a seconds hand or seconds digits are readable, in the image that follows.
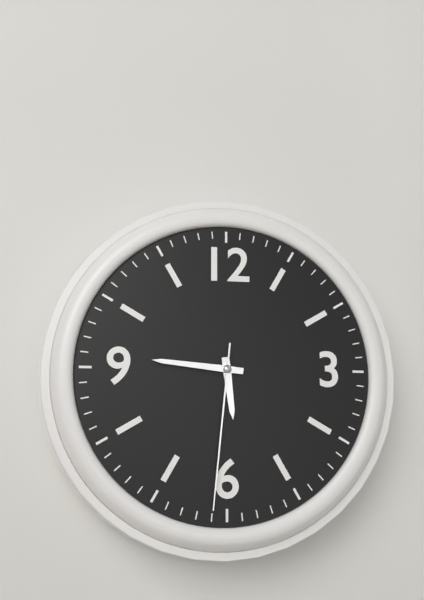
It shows 5:46:31
